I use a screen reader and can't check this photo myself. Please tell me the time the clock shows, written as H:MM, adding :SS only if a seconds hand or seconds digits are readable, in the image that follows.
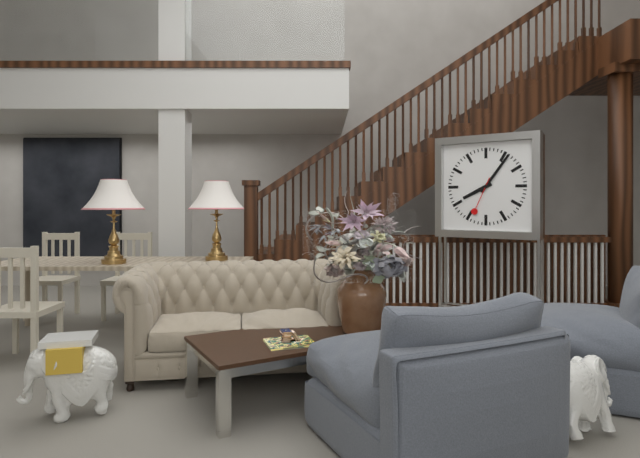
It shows 8:06
